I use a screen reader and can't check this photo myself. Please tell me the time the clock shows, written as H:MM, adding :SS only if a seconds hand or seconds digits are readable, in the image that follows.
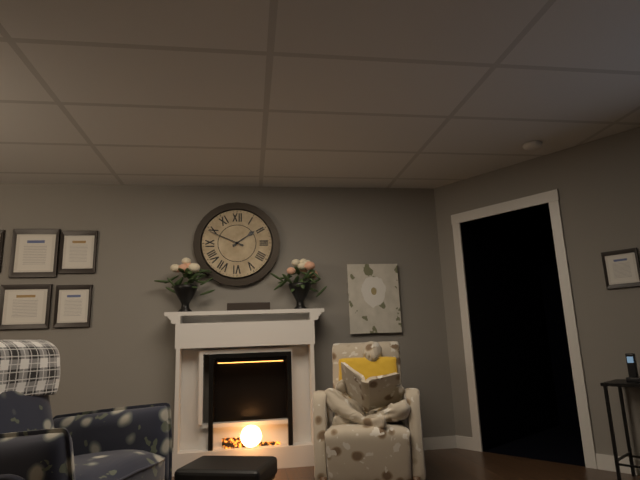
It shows 1:49
